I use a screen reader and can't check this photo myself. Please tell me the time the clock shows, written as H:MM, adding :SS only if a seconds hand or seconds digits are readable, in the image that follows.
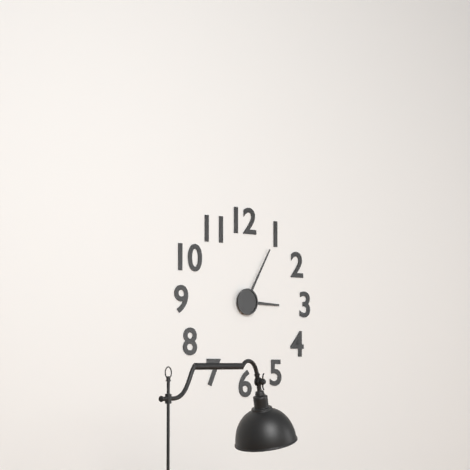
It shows 3:05
